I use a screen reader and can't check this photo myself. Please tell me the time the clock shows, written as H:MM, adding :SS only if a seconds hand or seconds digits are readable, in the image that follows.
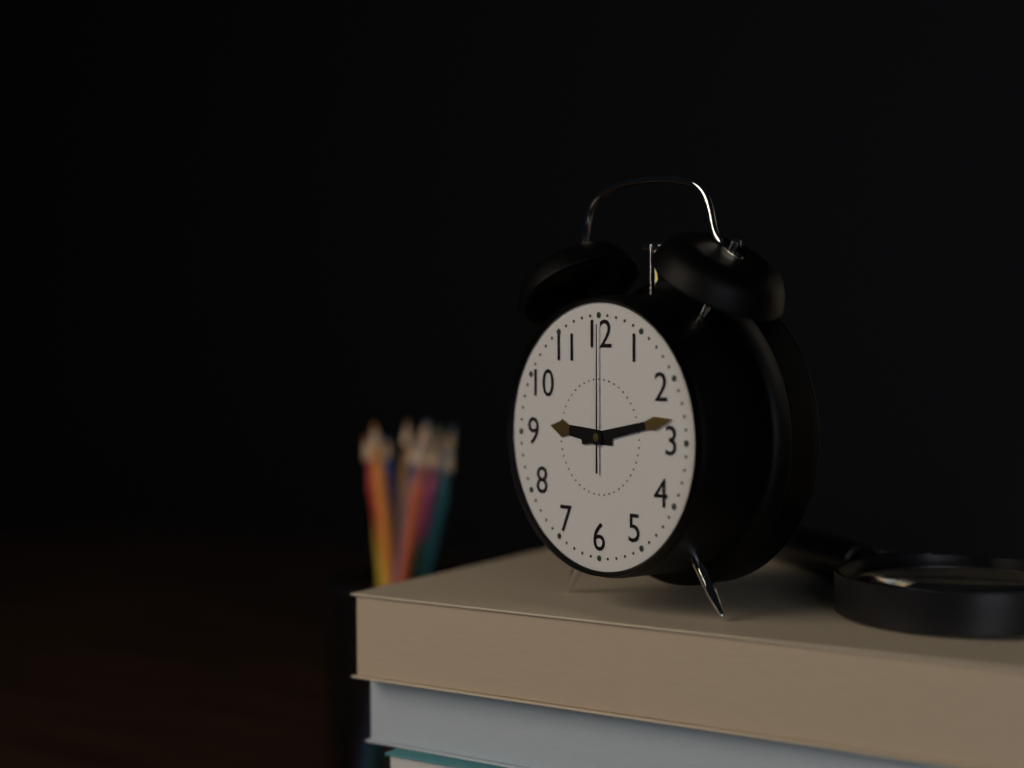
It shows 9:13:00
